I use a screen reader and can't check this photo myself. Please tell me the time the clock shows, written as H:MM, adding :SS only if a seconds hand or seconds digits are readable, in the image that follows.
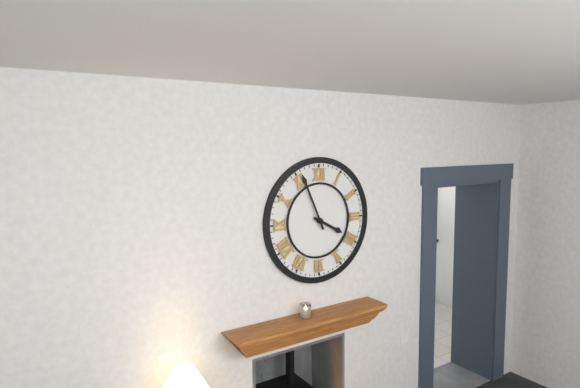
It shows 3:56
